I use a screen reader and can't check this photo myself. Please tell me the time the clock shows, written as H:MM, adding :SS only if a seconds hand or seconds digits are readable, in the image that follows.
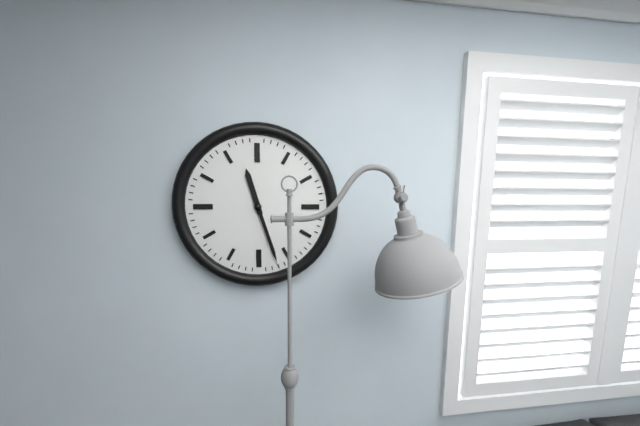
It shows 11:27
